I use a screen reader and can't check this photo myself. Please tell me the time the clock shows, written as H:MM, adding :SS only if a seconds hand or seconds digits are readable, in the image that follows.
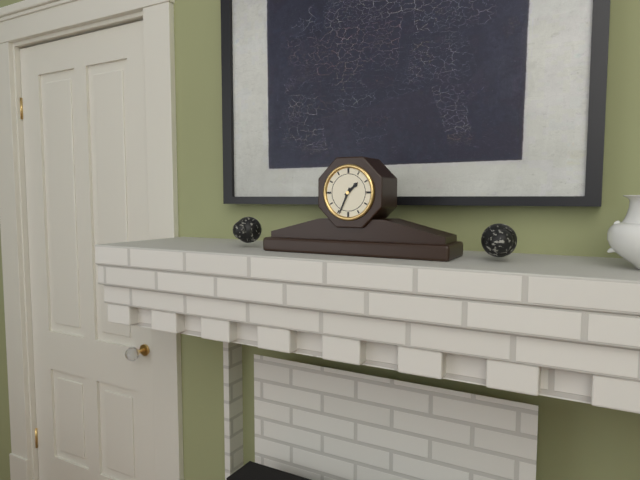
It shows 1:34
